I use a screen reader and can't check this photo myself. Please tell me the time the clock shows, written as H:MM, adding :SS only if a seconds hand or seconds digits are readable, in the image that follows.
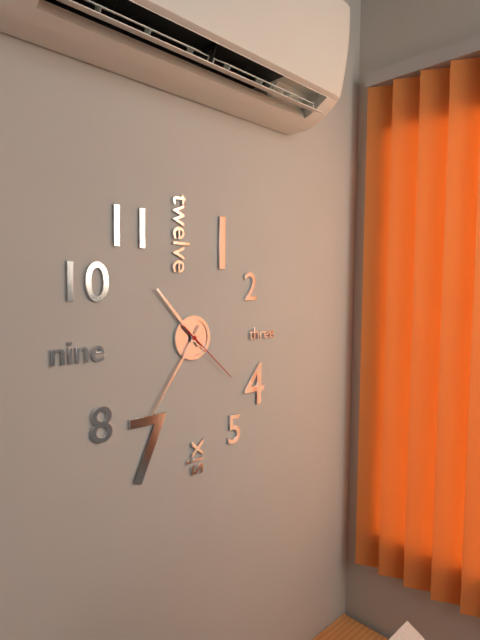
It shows 10:36:22
